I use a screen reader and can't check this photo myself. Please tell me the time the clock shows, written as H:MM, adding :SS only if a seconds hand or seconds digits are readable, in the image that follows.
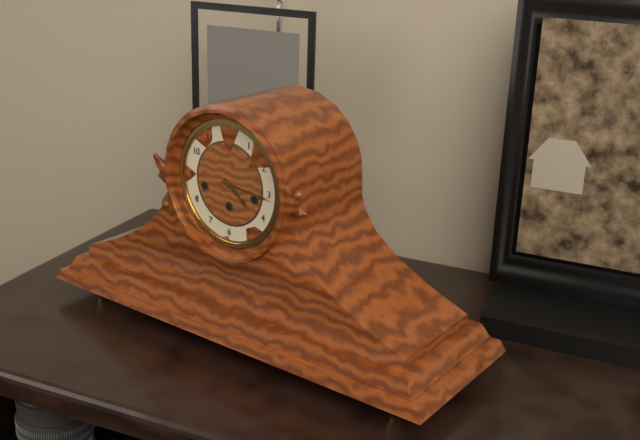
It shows 4:16
